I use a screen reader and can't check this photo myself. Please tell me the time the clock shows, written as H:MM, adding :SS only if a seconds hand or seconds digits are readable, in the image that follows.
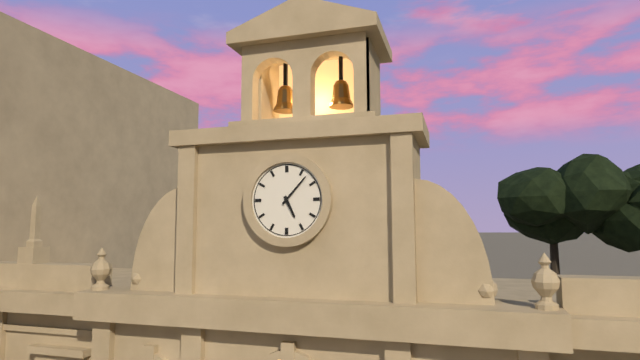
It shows 5:07
